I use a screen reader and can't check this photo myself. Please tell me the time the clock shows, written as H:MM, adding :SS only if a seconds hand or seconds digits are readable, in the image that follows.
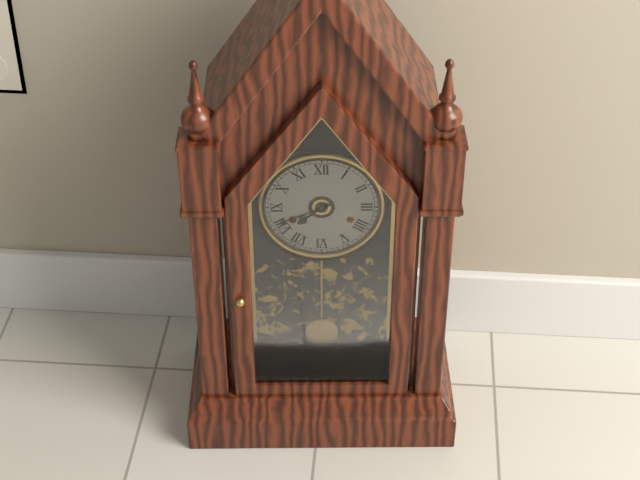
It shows 7:41
